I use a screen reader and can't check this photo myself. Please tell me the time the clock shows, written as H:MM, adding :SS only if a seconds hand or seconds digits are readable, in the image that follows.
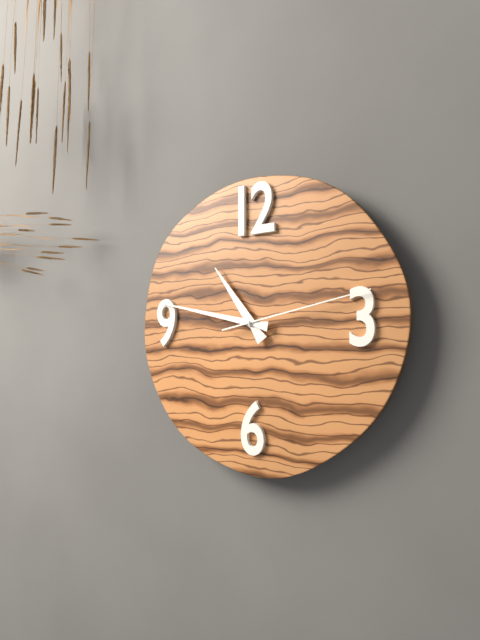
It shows 10:47:13
